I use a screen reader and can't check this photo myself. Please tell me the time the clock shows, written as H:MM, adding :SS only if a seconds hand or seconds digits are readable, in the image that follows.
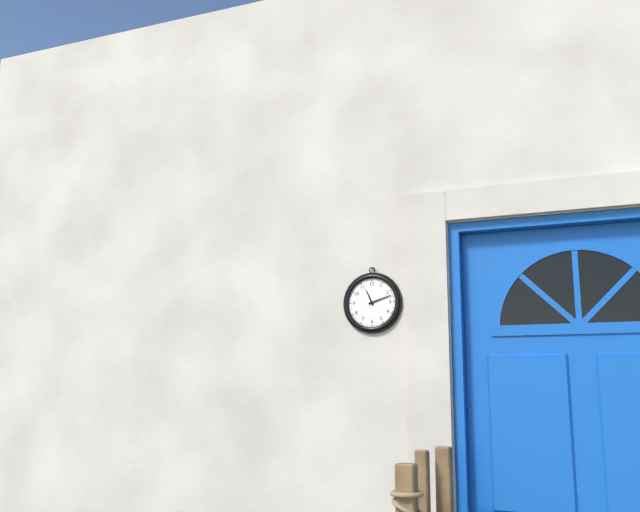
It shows 11:12
